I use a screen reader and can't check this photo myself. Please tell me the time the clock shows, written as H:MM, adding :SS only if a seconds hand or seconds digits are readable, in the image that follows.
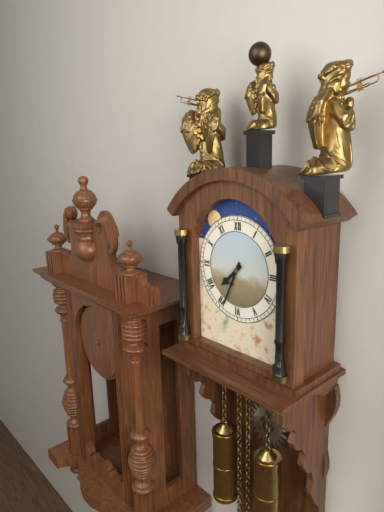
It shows 7:34
